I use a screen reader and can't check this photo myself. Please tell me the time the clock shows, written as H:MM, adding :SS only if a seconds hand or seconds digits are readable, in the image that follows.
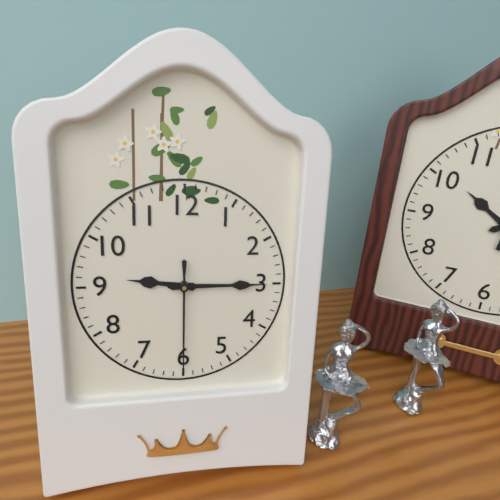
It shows 9:15:30
